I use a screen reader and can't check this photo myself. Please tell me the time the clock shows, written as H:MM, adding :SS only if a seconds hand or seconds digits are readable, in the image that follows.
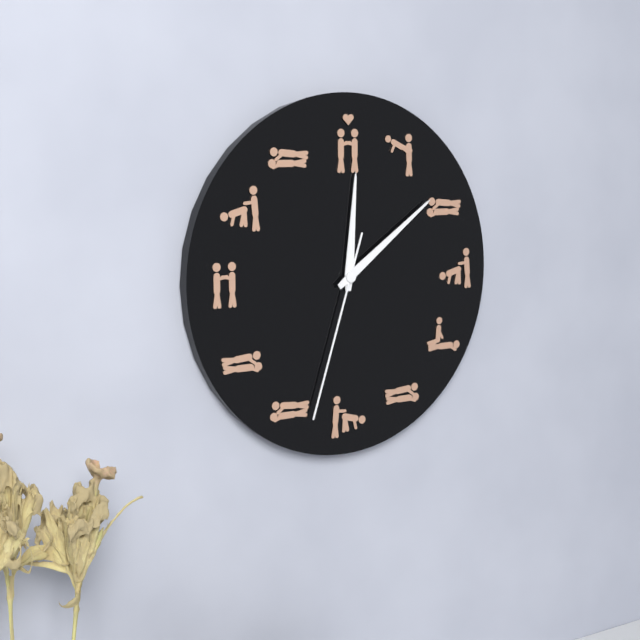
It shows 12:09:33
